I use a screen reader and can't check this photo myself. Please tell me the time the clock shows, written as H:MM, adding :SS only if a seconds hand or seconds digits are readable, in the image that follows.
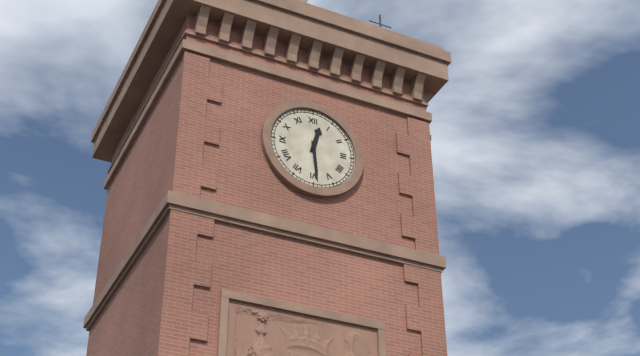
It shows 12:29
